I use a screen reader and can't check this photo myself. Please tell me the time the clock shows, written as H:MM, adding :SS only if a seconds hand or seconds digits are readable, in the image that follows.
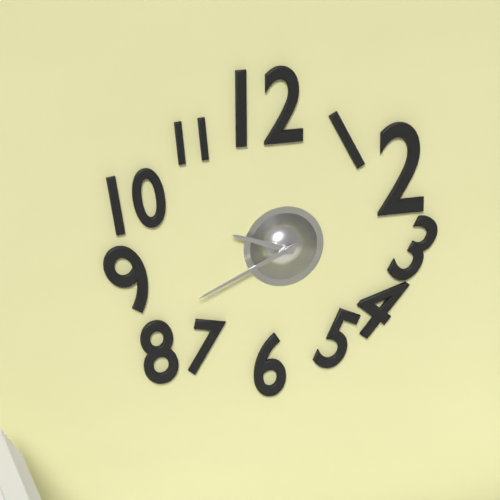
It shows 9:41
